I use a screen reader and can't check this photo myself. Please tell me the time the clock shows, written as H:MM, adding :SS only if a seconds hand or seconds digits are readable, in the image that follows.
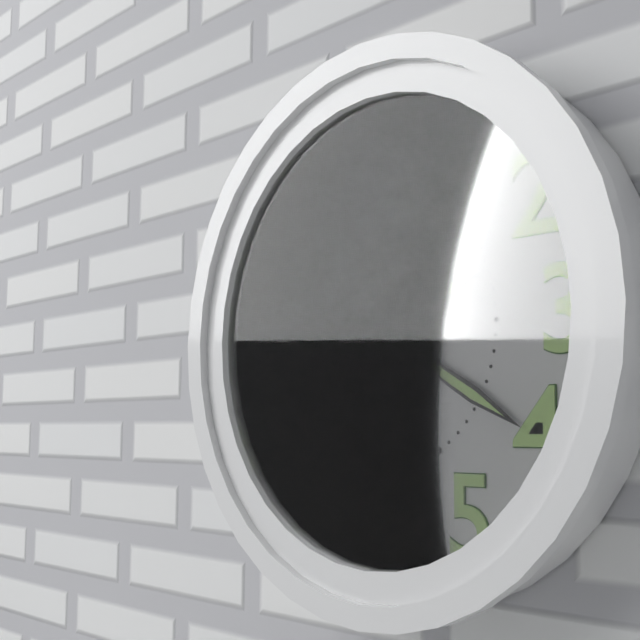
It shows 2:20:33
